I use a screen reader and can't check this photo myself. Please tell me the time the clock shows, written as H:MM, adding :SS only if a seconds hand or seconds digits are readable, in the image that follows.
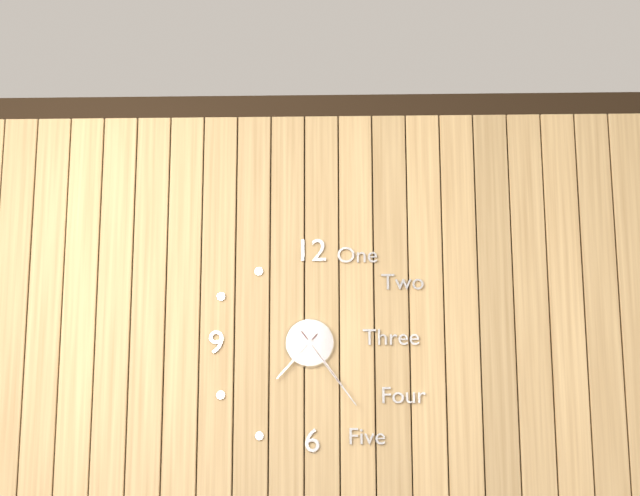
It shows 7:24
